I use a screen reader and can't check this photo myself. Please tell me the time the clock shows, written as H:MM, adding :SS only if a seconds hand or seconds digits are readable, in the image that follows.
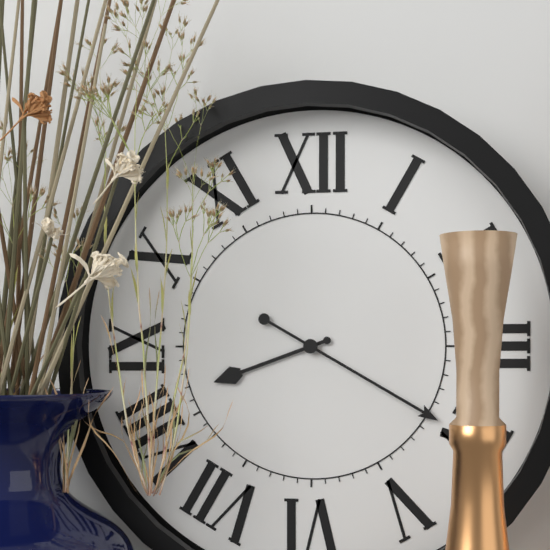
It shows 8:20
